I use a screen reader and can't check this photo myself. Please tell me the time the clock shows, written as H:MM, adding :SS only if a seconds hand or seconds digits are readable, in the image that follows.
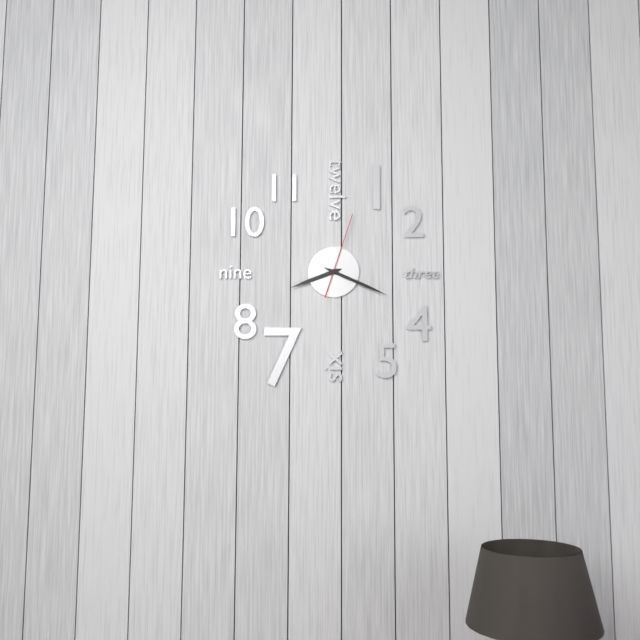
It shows 8:19:03
